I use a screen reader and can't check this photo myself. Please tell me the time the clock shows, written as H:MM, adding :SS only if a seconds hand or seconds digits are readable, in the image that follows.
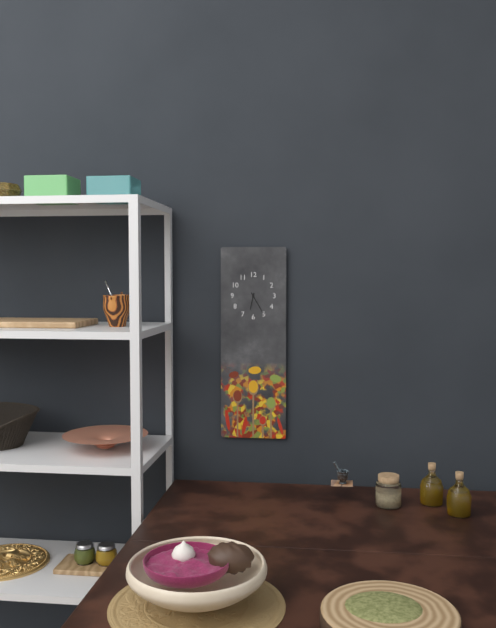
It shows 6:25
